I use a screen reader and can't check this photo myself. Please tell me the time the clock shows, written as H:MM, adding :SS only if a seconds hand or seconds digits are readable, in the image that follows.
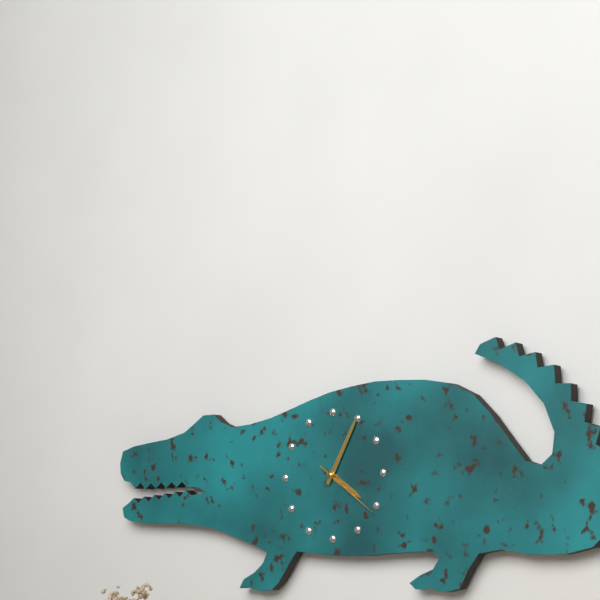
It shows 4:05:21
